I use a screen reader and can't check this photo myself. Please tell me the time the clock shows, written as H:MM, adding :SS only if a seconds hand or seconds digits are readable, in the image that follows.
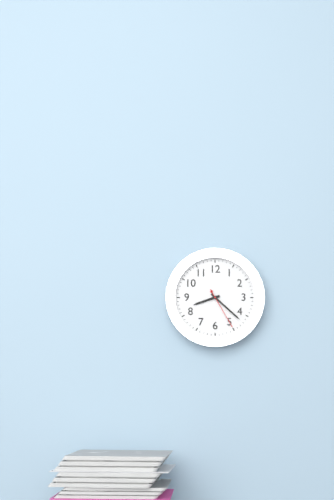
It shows 8:22
